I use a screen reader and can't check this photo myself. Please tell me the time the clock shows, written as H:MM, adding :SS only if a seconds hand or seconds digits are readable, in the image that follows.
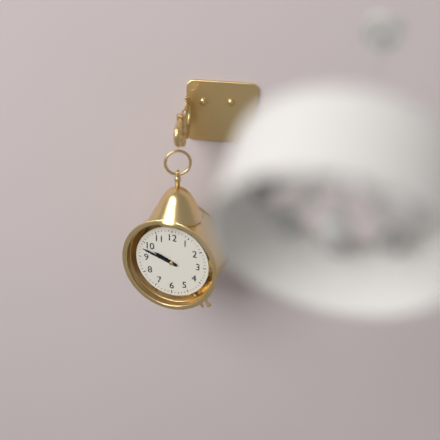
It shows 9:48
